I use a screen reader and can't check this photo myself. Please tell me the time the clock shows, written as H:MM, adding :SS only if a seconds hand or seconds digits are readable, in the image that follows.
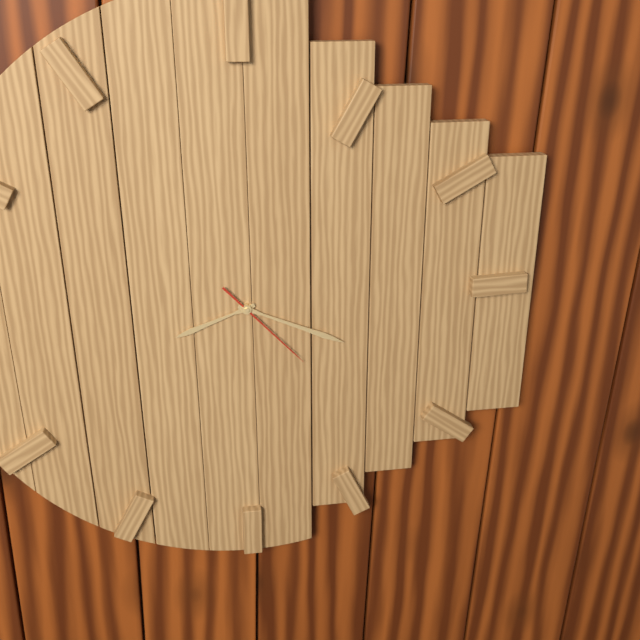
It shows 8:19:23
